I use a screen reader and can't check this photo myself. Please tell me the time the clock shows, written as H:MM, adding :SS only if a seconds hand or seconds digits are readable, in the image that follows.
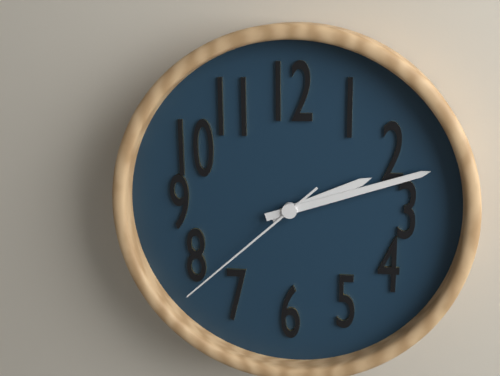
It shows 2:12:38
